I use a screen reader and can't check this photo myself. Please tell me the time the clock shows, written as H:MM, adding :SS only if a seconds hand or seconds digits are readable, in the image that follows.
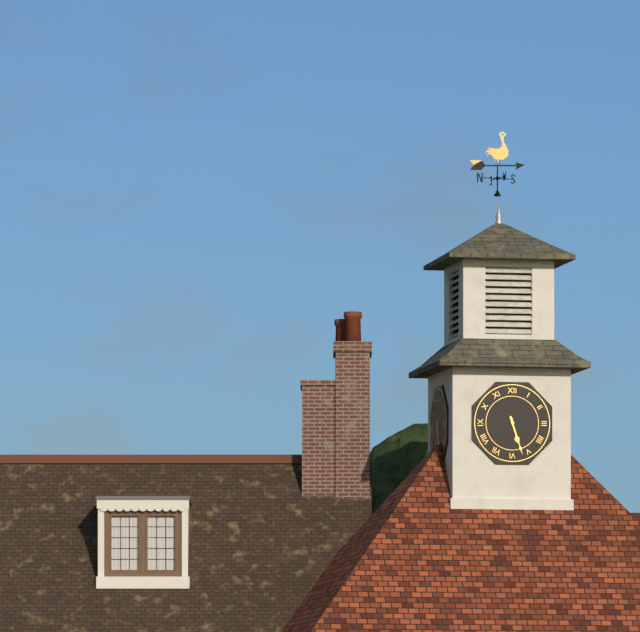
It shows 5:27
